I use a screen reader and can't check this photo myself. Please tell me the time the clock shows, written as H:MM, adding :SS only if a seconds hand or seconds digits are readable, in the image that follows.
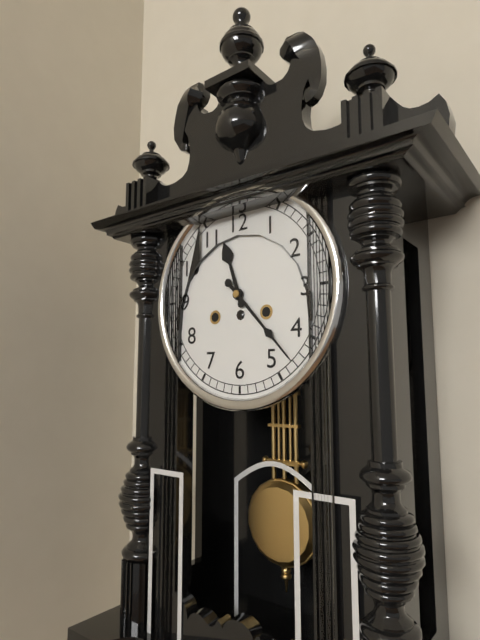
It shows 11:23
